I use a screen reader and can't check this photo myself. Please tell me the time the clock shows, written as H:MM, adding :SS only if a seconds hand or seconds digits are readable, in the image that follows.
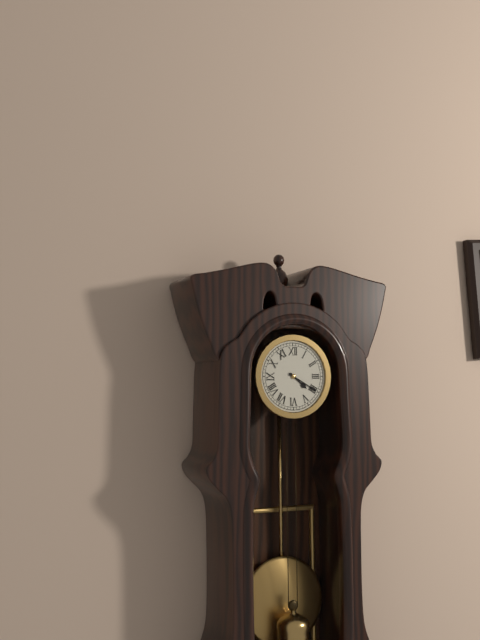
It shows 4:20
